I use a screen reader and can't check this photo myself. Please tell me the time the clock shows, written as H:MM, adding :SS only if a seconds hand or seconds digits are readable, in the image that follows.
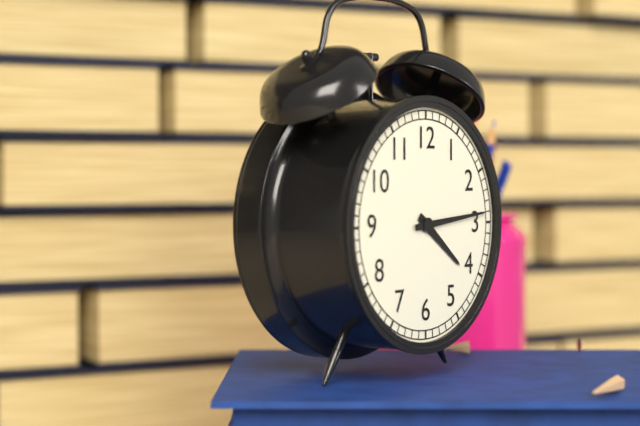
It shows 4:14
